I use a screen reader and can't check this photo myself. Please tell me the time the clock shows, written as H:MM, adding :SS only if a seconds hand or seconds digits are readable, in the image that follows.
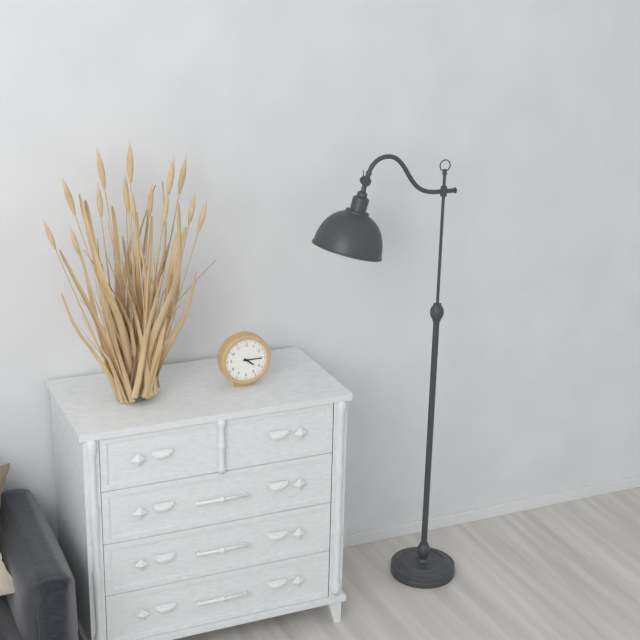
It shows 4:15
